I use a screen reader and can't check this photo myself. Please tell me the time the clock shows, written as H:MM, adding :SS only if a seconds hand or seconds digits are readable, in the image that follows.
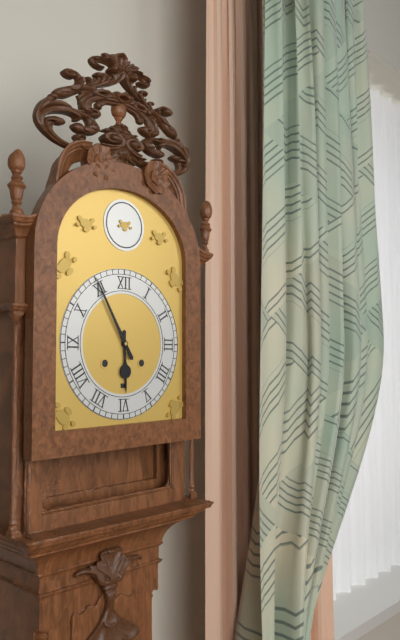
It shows 5:55
